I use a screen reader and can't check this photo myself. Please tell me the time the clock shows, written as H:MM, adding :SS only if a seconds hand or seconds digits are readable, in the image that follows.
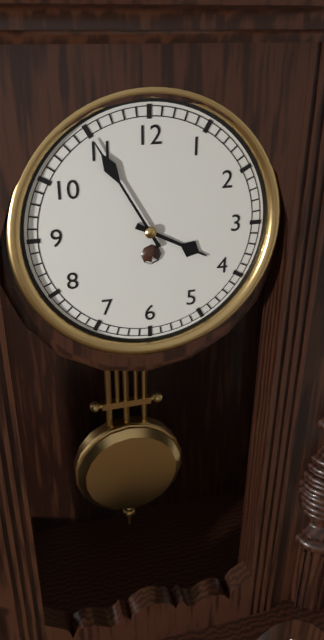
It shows 3:55
